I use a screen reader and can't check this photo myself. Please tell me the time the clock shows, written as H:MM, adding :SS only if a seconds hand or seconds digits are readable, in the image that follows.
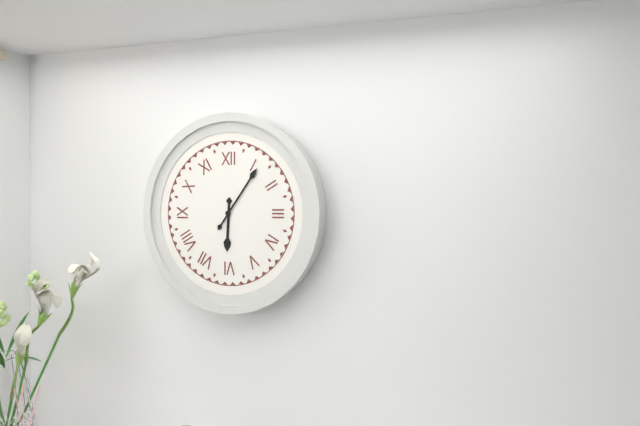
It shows 6:06
